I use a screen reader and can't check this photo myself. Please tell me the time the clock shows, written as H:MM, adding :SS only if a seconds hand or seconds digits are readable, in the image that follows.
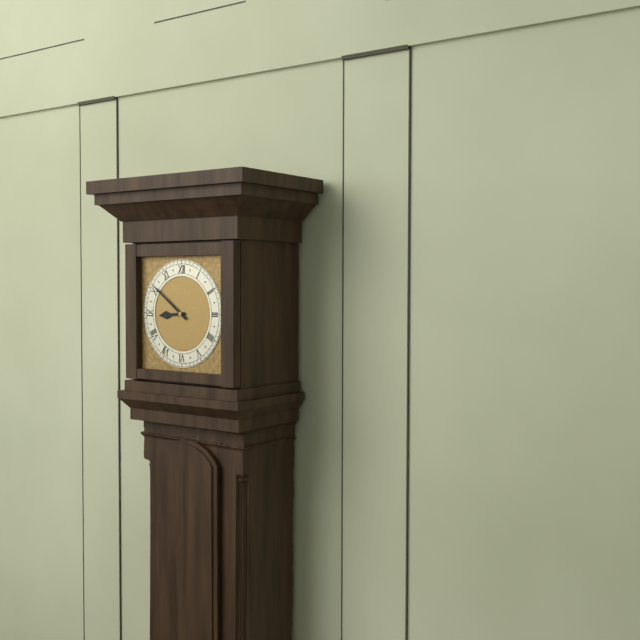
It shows 8:51
